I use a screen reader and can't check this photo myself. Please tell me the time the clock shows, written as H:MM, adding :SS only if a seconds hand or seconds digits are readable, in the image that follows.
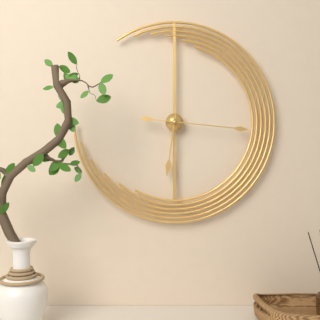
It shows 6:16
